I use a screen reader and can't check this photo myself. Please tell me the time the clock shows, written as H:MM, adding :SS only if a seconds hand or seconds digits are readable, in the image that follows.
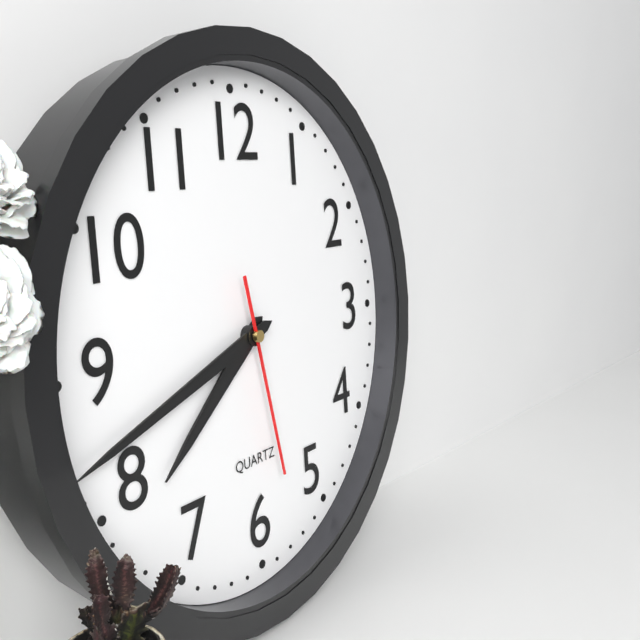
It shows 7:42:28
